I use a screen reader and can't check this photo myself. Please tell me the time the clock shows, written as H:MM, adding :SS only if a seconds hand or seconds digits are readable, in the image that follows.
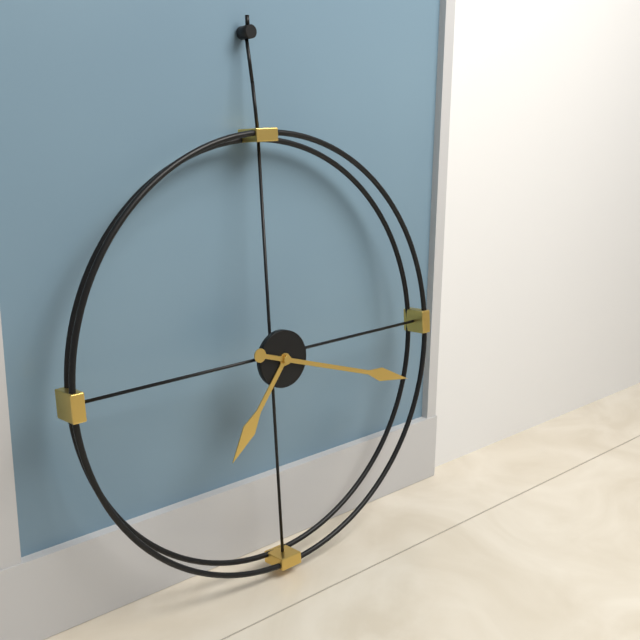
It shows 7:18
